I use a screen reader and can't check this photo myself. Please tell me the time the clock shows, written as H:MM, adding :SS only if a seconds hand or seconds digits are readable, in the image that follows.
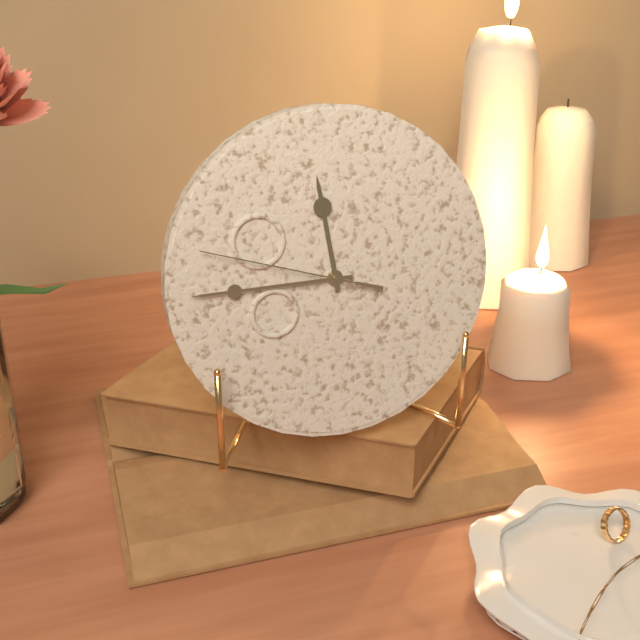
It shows 11:45:48
